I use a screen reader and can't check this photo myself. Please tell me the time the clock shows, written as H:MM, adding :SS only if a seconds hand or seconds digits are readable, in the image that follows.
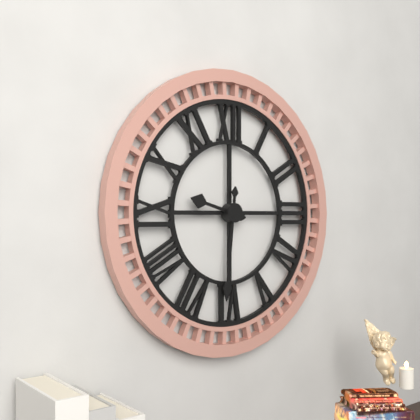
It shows 9:31
